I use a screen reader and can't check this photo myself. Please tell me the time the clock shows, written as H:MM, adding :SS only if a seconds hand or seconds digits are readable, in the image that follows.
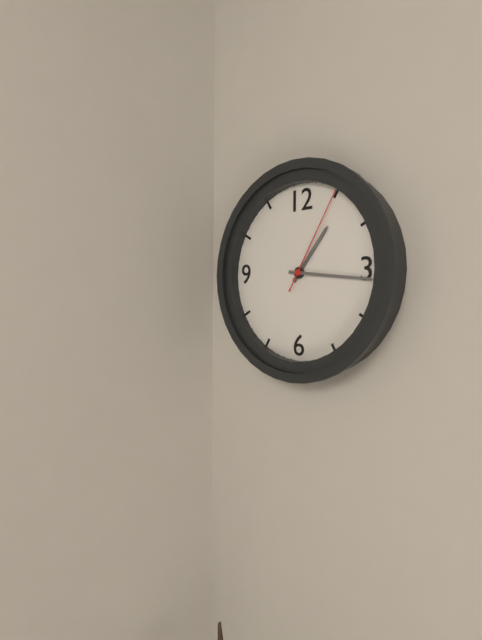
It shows 1:16:05
